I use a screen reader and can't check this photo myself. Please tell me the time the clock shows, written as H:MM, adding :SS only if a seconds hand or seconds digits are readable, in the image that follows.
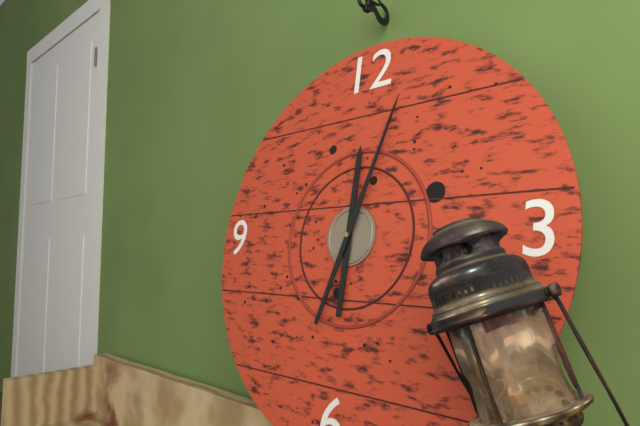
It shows 12:03
